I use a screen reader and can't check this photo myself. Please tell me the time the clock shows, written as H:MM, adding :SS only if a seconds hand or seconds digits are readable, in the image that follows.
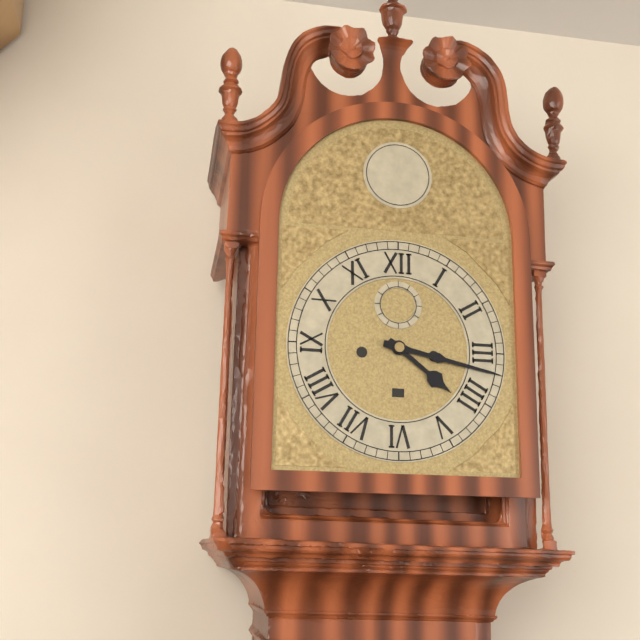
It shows 4:17
